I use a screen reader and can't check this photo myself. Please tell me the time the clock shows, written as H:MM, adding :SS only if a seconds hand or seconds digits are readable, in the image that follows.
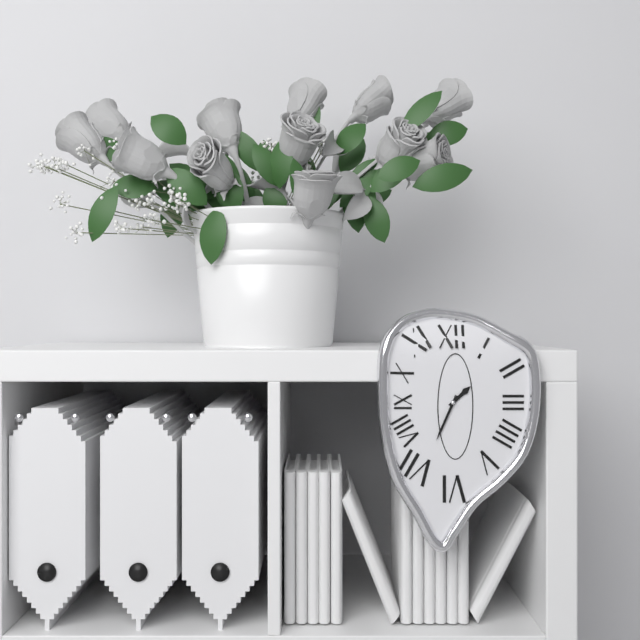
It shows 1:34
